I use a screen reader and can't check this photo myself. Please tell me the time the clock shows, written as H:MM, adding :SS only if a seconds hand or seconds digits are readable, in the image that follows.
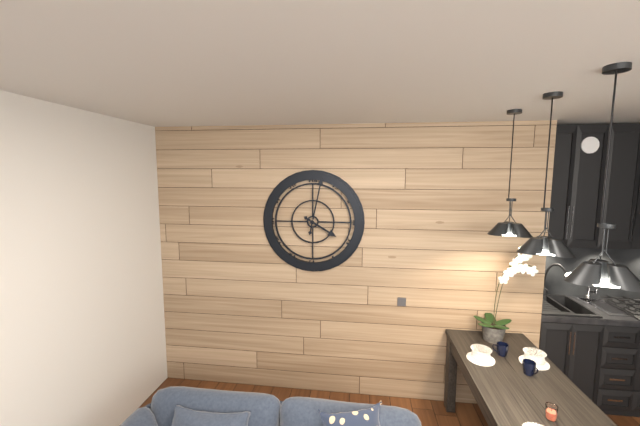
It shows 4:02
